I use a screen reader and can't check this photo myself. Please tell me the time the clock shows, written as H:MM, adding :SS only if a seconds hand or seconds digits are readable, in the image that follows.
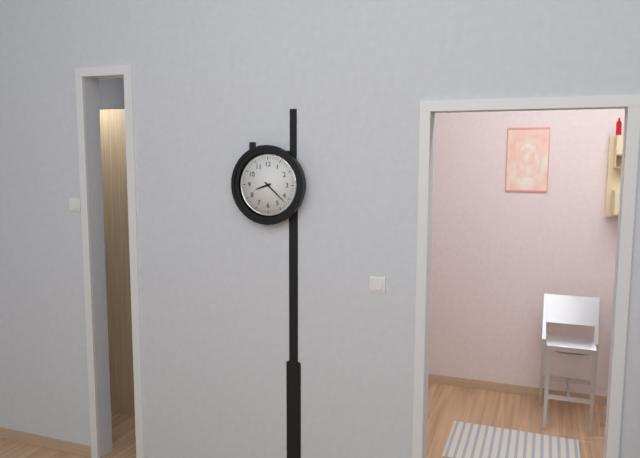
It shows 8:22
